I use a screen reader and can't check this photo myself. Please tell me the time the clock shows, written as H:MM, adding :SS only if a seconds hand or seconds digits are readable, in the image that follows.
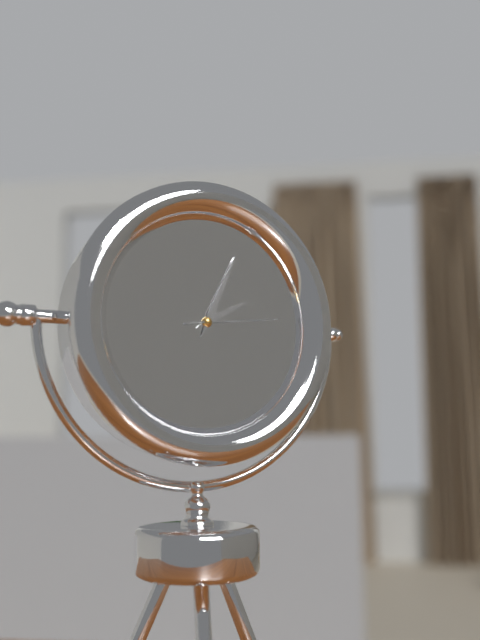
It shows 2:04:14
